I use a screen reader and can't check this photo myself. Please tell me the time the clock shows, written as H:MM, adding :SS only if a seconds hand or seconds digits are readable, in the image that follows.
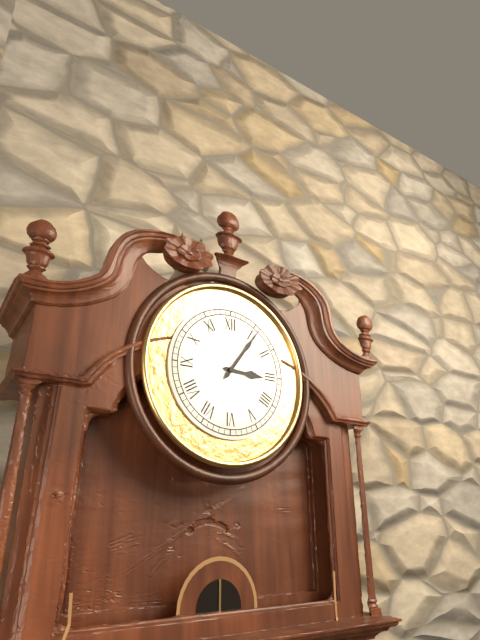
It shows 3:06
